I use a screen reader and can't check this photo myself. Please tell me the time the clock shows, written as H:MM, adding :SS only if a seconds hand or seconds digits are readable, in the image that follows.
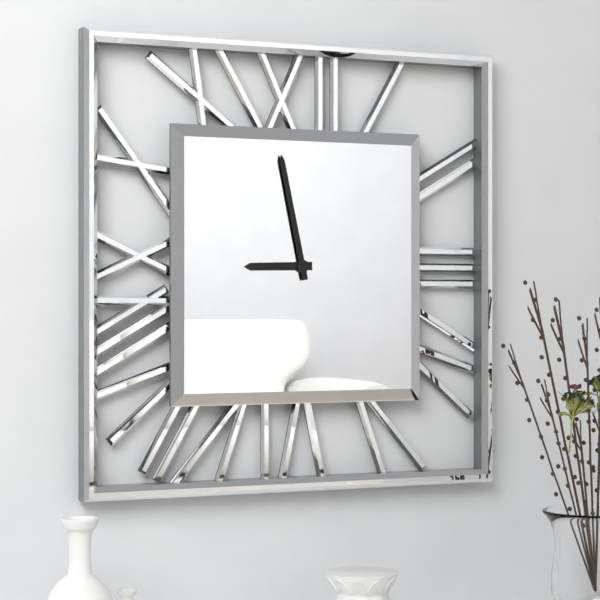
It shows 8:58
